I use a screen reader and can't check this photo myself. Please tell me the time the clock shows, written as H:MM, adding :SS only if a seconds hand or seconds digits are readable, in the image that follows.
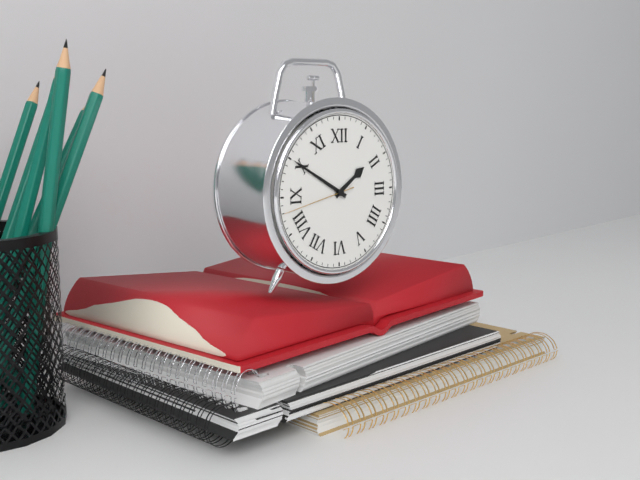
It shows 1:50:43
